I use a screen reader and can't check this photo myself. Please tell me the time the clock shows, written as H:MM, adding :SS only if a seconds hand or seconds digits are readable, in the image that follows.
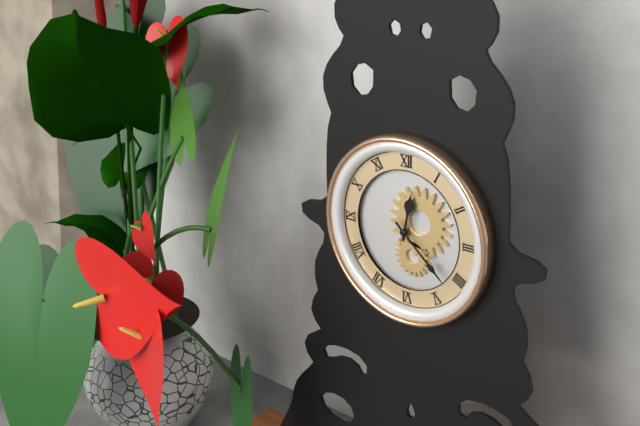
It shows 12:22
